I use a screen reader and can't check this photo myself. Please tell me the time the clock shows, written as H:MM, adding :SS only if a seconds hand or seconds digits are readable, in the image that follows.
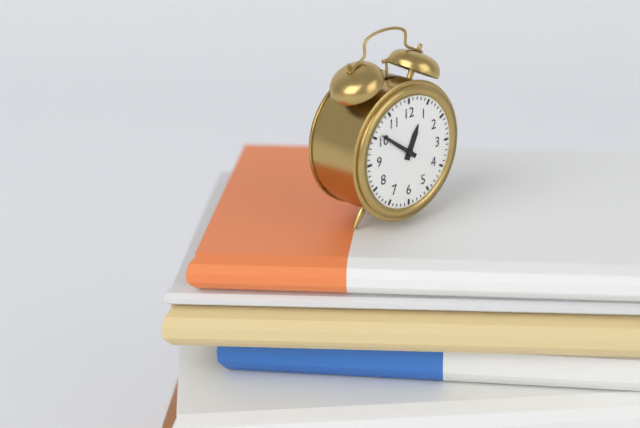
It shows 12:51
